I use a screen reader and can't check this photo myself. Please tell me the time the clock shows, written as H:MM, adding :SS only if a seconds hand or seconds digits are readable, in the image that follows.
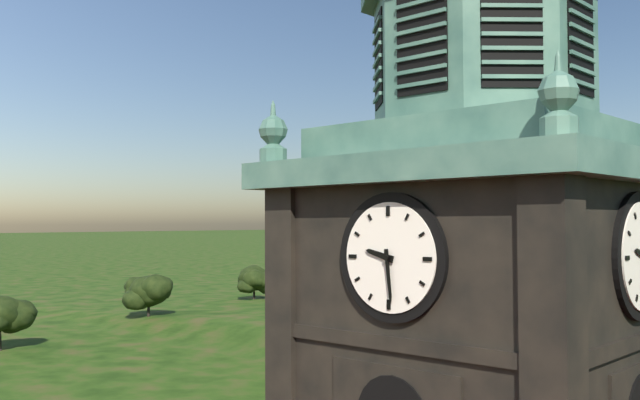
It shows 9:29
